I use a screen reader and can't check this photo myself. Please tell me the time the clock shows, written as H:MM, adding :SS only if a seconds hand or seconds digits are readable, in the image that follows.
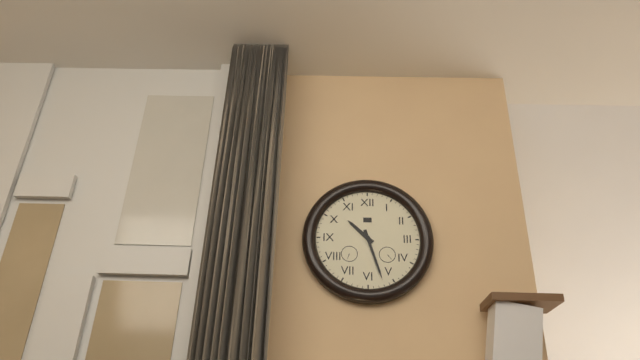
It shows 10:27
